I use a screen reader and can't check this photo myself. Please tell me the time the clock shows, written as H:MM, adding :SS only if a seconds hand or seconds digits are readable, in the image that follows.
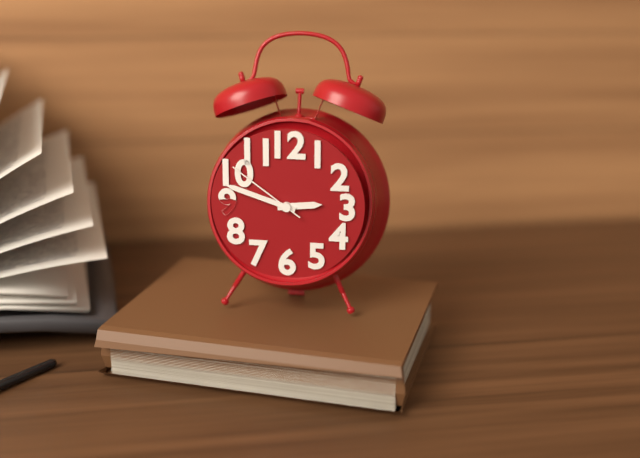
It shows 2:48:51
